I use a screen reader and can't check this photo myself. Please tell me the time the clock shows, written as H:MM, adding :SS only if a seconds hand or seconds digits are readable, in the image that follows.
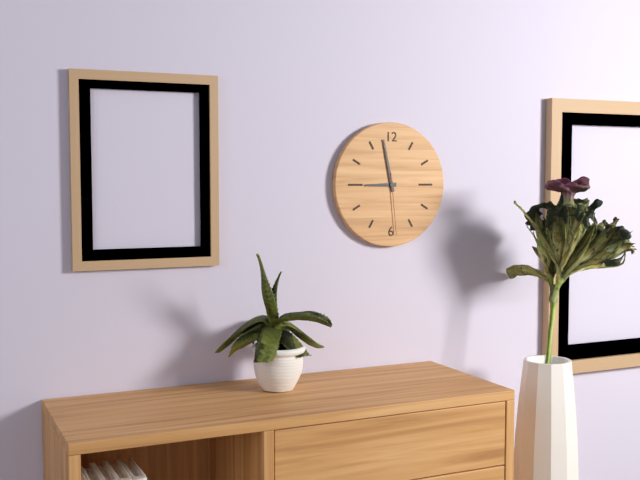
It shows 8:58:29
